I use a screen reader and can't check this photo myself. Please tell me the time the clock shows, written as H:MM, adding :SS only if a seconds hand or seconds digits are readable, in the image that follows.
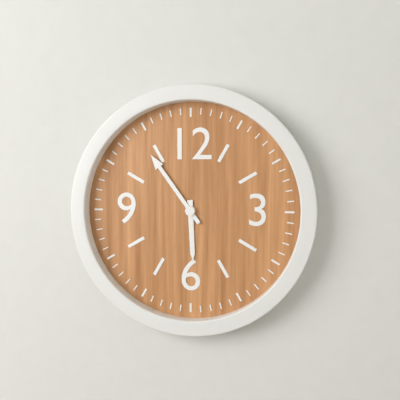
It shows 5:54
